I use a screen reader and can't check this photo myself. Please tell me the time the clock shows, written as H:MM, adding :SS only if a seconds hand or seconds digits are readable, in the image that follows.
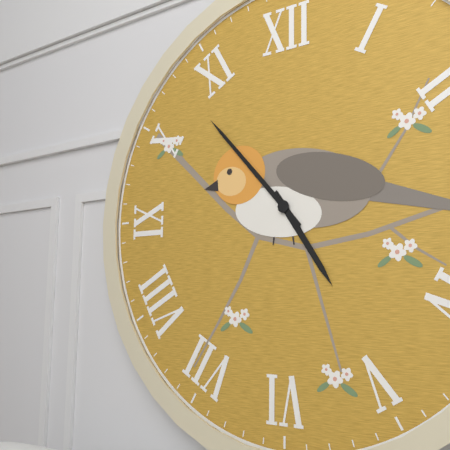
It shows 4:53
